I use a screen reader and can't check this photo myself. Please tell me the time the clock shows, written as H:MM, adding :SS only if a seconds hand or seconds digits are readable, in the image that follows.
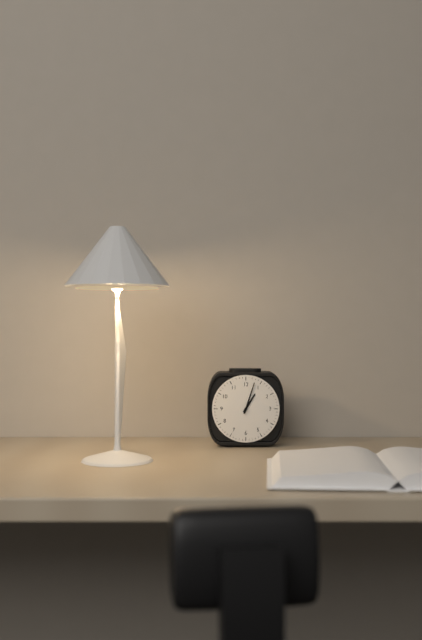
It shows 1:03
